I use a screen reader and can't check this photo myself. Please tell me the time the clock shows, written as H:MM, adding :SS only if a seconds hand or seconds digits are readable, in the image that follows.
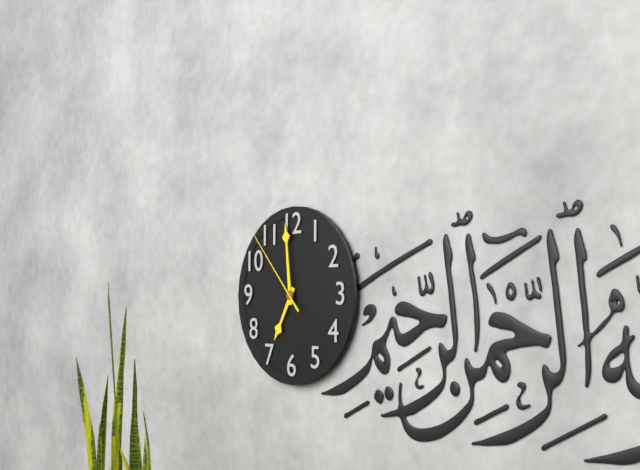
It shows 6:59:53
